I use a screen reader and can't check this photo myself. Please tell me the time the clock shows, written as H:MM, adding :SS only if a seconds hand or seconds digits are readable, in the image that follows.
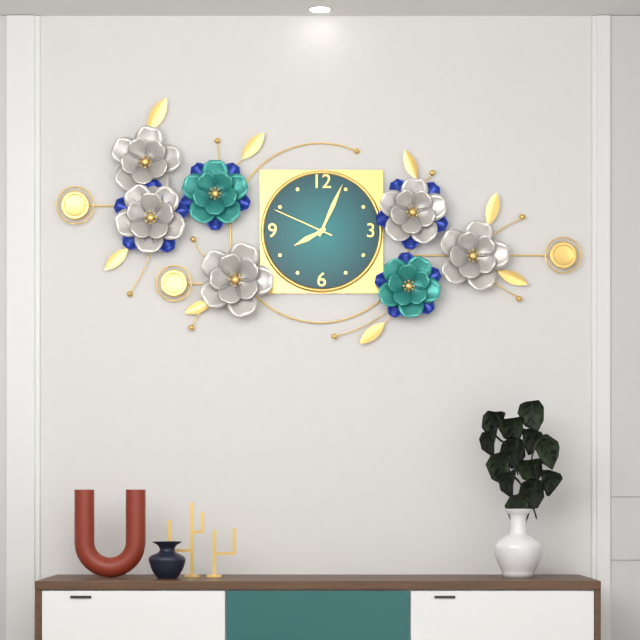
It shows 8:04:49
